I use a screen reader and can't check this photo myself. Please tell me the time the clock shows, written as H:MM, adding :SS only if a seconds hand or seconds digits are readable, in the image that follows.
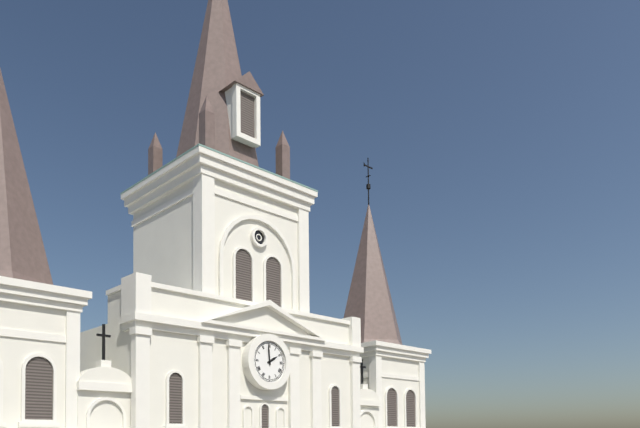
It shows 1:59
